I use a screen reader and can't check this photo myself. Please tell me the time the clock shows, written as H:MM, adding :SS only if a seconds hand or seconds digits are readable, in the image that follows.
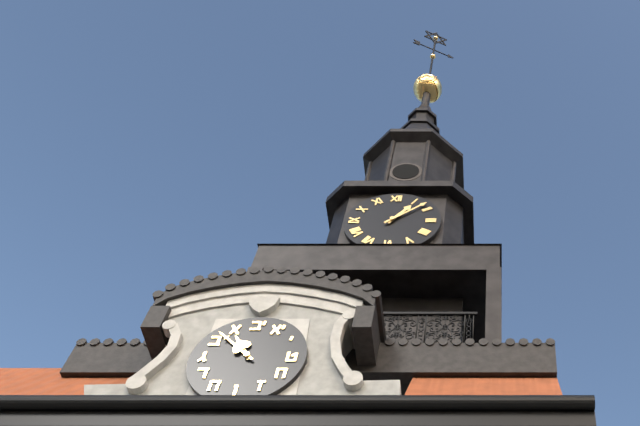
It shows 1:08
